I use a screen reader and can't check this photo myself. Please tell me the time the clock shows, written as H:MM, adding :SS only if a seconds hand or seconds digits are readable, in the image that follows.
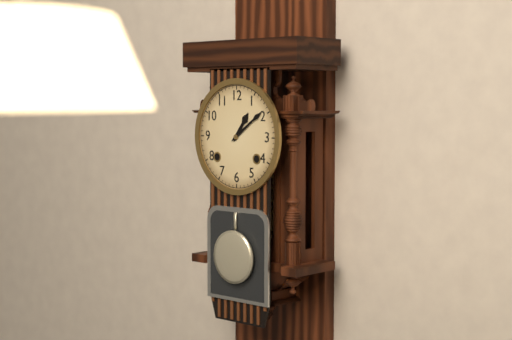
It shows 1:09
